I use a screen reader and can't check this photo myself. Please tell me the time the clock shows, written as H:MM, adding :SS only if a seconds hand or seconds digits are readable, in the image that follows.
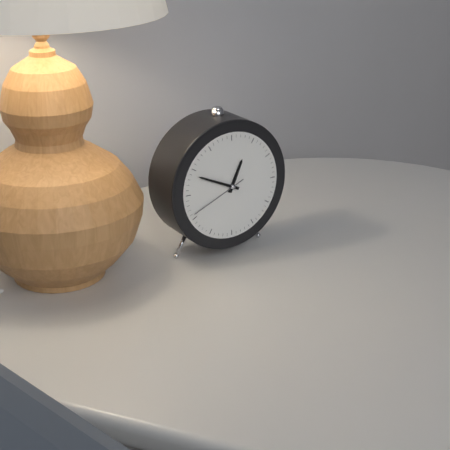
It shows 12:49:41
